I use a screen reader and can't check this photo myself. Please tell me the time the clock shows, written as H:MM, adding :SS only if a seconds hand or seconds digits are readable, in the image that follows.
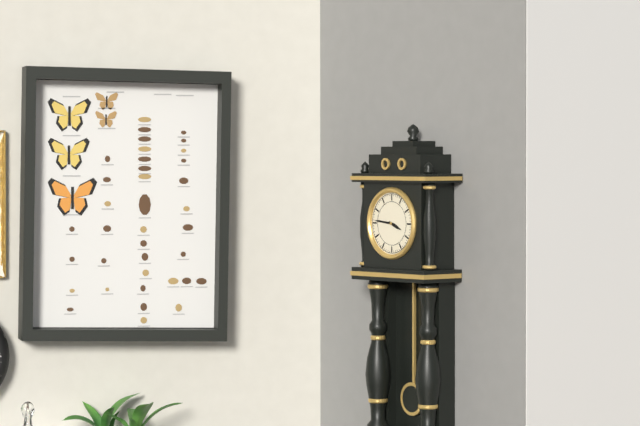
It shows 3:46
